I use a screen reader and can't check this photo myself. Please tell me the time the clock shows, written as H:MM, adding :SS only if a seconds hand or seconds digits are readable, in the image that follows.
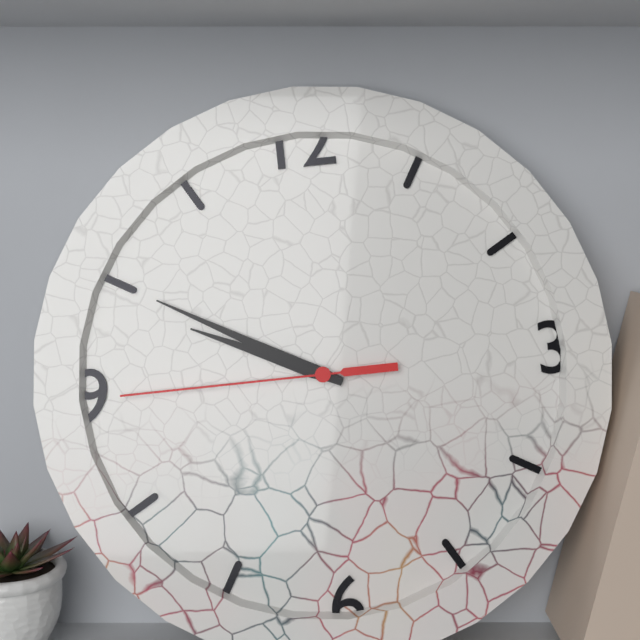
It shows 9:50:45
